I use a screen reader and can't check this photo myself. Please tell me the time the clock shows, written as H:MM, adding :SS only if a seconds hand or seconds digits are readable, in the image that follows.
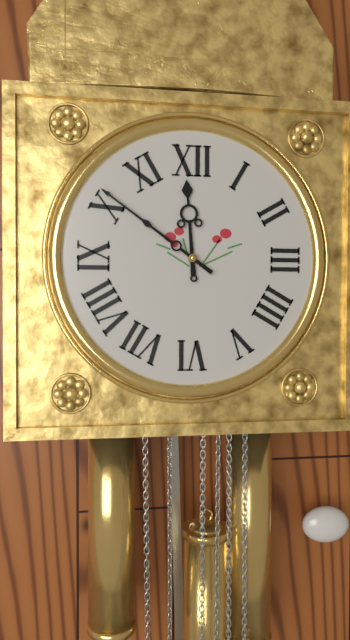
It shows 11:51
